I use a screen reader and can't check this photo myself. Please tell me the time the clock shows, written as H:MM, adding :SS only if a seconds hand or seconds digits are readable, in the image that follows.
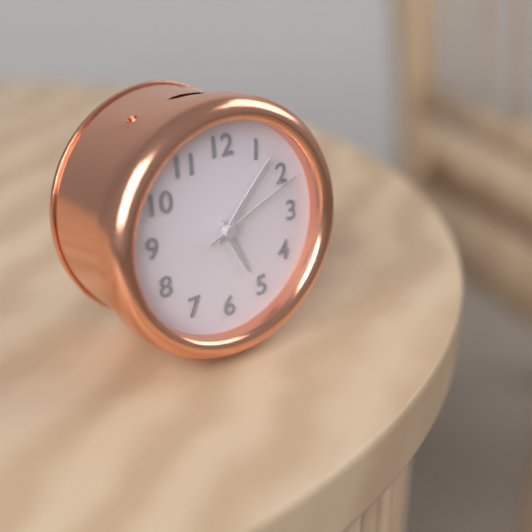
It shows 5:07:11
